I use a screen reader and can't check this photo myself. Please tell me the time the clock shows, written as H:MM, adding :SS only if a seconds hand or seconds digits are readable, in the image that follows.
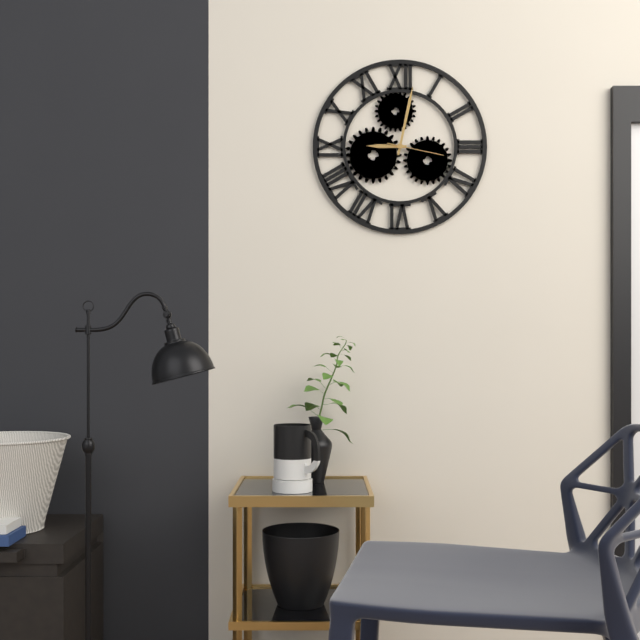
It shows 9:02:17
